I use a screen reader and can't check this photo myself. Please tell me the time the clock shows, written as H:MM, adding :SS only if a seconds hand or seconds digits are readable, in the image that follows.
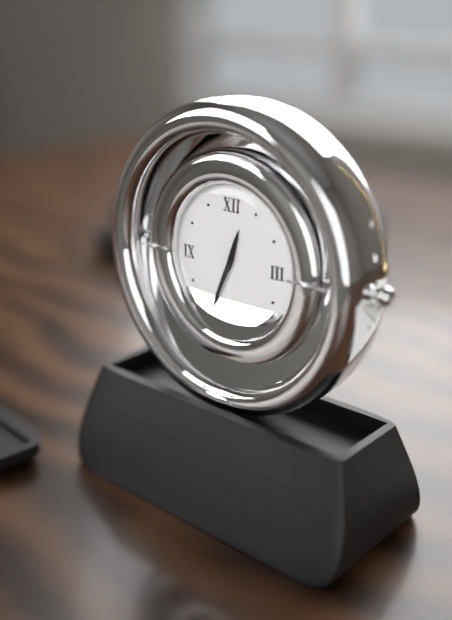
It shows 12:34
